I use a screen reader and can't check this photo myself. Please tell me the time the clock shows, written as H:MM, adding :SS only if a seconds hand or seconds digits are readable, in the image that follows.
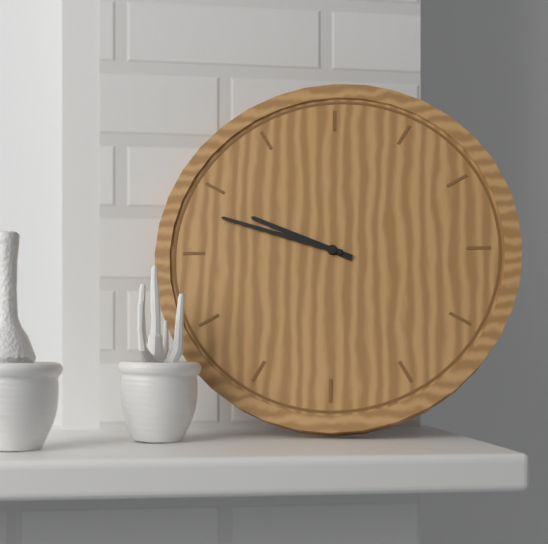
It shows 9:48
